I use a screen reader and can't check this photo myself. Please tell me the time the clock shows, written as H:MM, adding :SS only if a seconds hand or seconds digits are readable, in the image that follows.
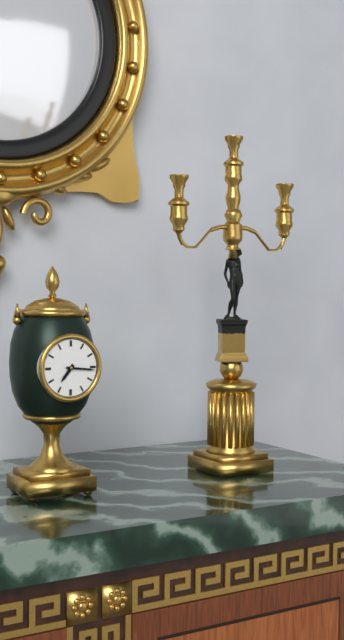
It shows 7:16
